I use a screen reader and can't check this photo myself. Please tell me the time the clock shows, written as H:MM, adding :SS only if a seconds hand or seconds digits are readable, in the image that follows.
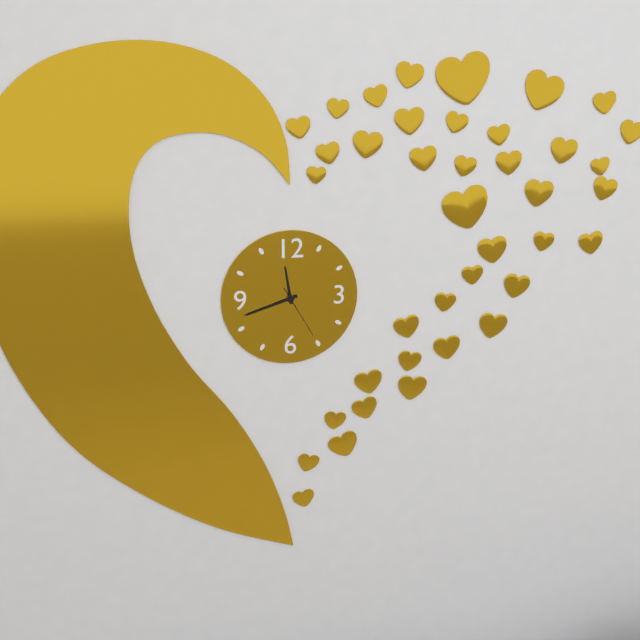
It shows 11:42:25
